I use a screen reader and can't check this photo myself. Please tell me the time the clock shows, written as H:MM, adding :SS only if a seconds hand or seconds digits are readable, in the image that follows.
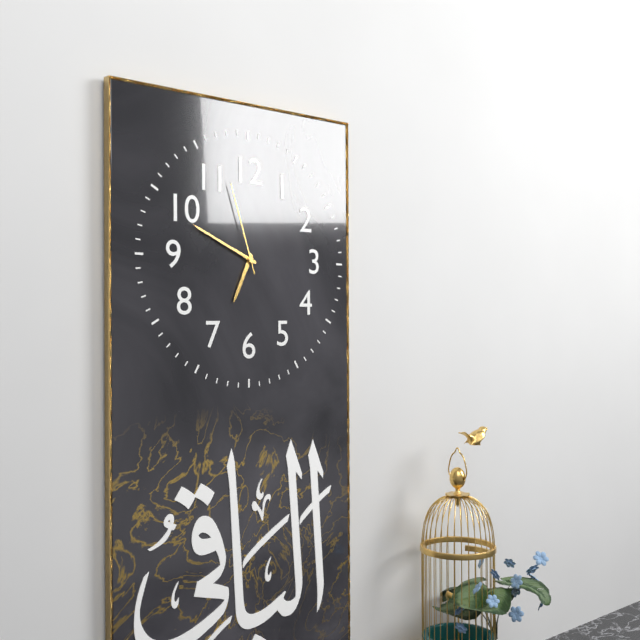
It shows 6:49:57
